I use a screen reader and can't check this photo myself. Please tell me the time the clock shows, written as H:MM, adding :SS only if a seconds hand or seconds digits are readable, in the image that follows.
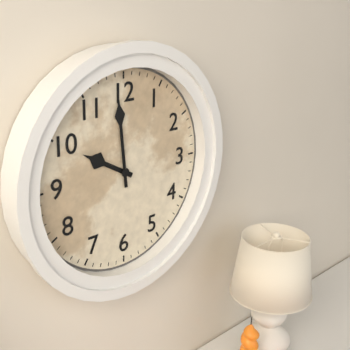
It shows 9:59
